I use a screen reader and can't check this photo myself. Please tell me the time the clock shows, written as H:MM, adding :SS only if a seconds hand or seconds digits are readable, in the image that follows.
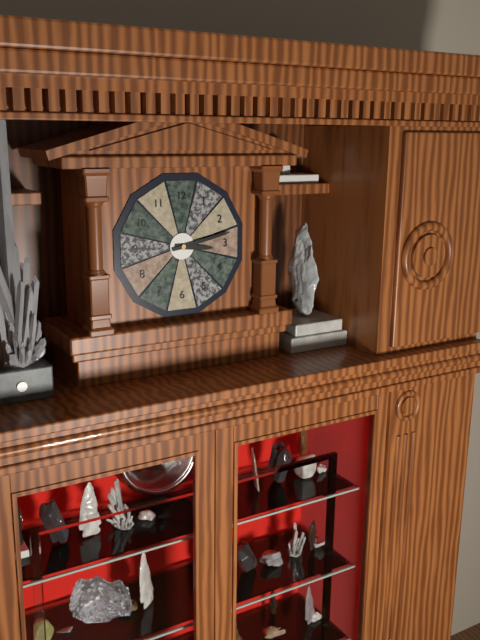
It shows 3:13
